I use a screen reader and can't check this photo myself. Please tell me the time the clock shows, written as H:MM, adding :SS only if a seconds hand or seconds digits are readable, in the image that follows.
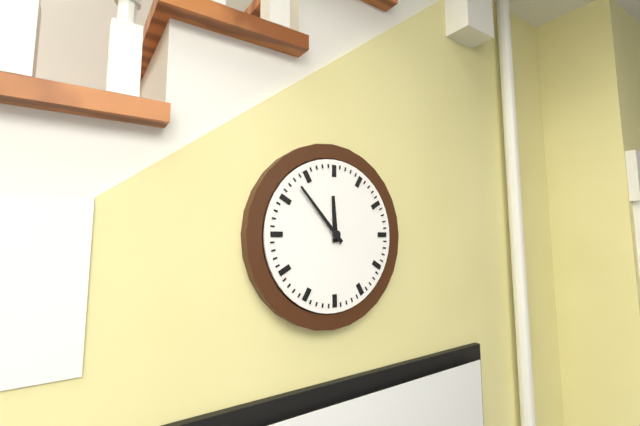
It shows 11:53
